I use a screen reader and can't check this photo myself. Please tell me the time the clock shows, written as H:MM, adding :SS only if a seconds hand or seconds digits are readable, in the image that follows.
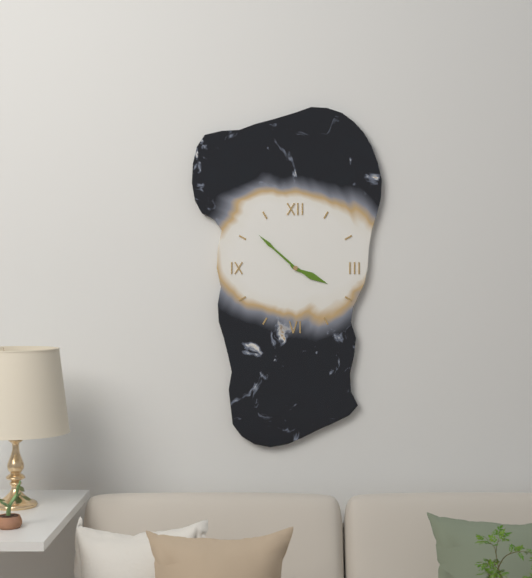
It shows 3:52
